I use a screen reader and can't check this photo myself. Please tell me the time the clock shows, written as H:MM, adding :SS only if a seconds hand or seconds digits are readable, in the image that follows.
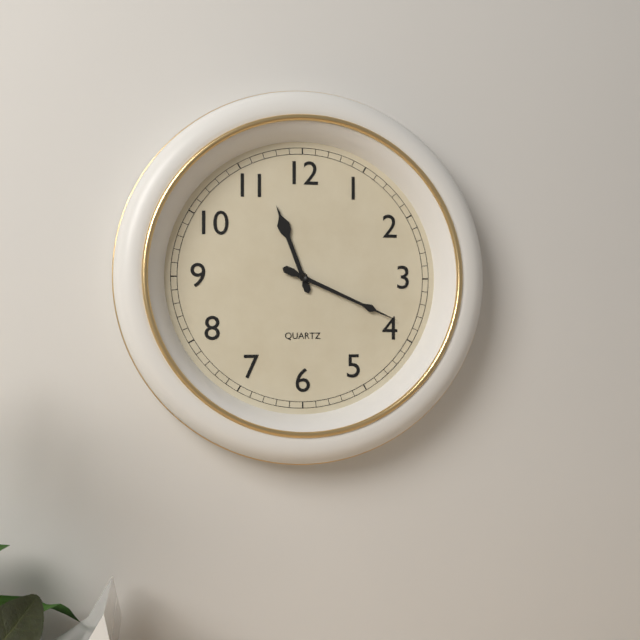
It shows 11:19
